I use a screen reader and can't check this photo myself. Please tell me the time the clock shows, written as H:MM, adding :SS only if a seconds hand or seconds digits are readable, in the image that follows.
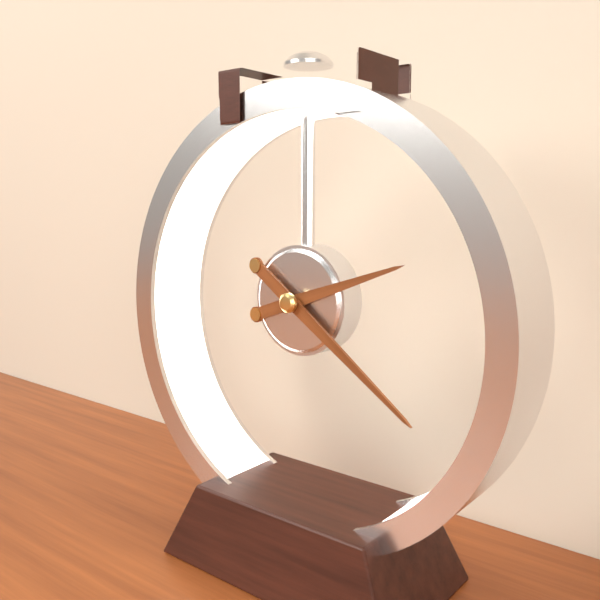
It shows 2:21
